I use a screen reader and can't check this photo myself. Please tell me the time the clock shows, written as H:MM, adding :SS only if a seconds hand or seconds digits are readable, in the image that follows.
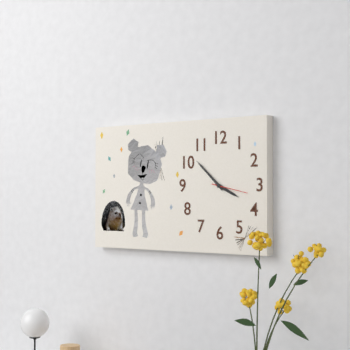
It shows 3:52
